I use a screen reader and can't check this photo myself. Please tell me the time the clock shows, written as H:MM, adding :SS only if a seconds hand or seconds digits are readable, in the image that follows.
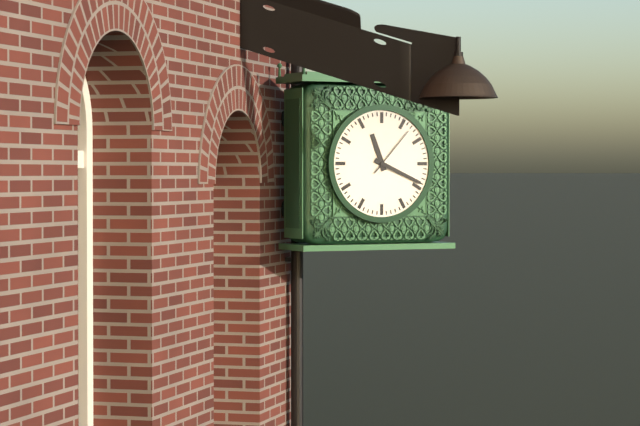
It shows 11:19:07
